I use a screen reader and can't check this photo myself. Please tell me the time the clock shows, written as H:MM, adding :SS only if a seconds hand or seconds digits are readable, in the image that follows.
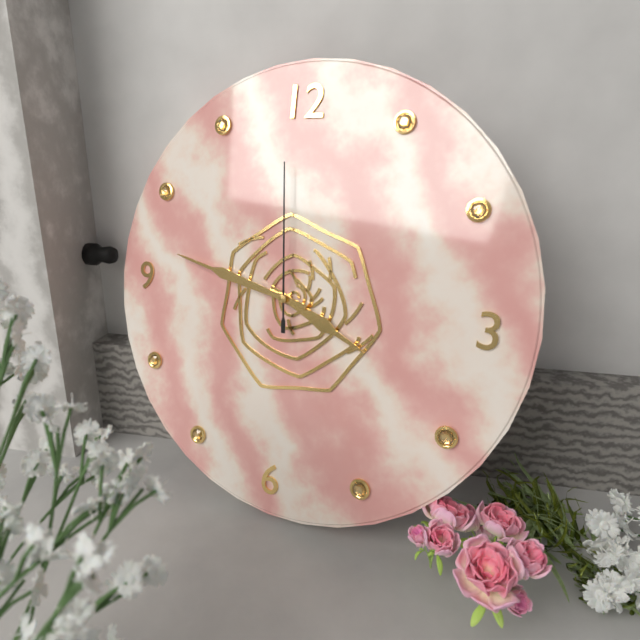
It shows 3:47:59
